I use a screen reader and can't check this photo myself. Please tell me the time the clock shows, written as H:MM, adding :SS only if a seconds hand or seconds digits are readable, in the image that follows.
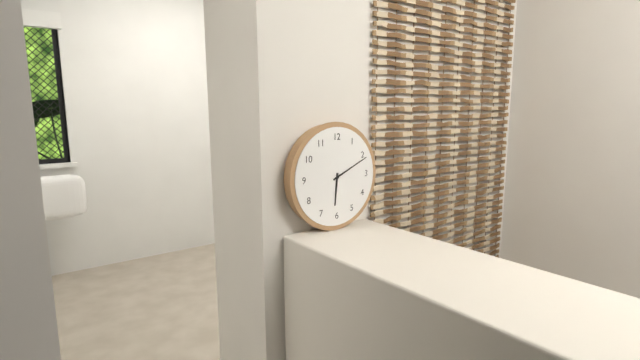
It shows 6:11
